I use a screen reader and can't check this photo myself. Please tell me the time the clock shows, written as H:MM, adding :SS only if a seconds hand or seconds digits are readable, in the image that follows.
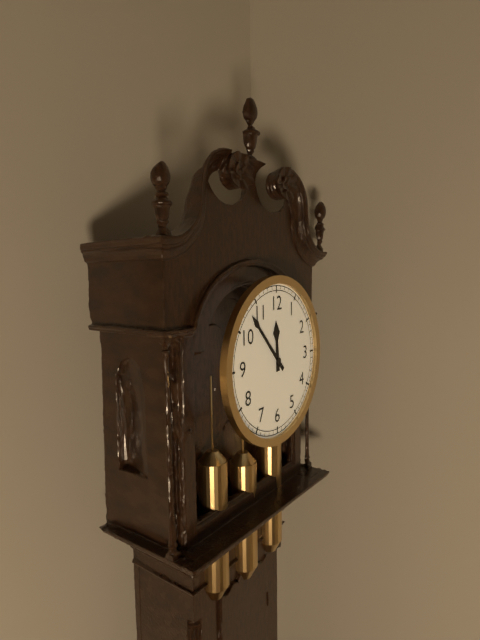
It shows 11:53
